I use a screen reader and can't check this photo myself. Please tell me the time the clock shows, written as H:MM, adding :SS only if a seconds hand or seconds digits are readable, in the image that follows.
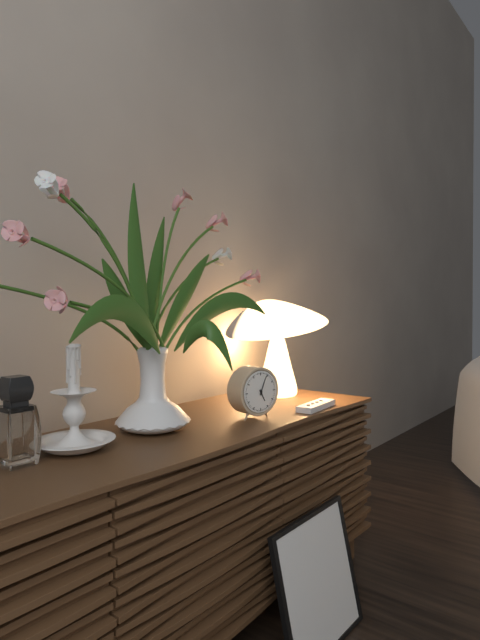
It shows 5:04
